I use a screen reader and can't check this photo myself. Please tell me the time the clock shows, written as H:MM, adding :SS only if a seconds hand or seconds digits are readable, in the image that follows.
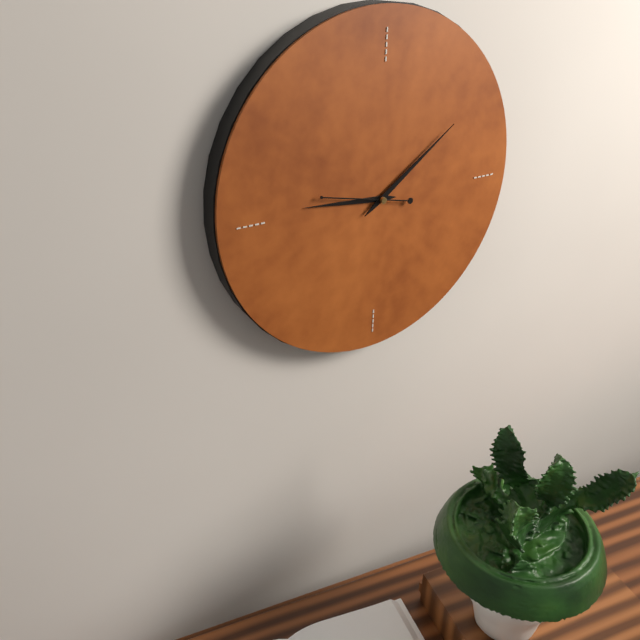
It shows 9:09:47
